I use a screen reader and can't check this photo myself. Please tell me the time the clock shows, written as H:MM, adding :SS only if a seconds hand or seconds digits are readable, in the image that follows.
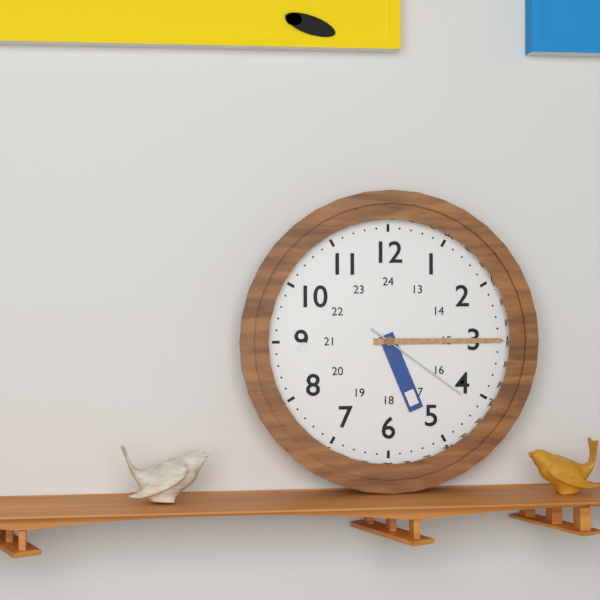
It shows 5:15:21
